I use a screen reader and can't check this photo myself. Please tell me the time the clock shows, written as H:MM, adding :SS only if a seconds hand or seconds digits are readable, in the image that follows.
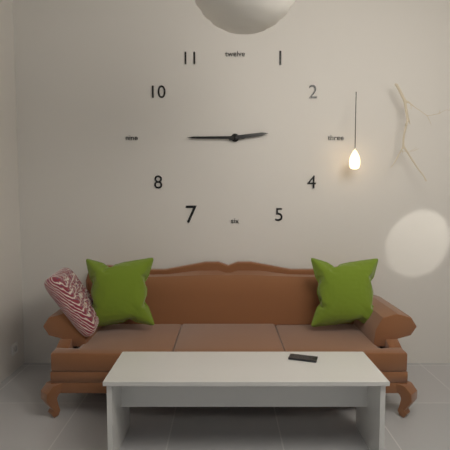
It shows 2:45
